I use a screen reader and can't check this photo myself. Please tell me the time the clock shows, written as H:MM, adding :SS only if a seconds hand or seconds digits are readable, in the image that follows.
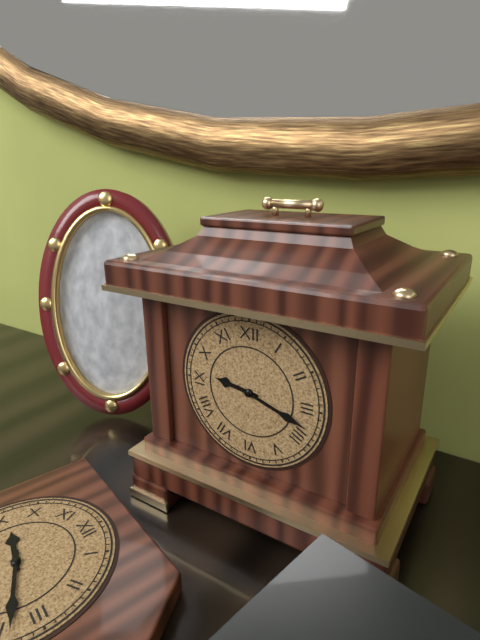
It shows 9:18
